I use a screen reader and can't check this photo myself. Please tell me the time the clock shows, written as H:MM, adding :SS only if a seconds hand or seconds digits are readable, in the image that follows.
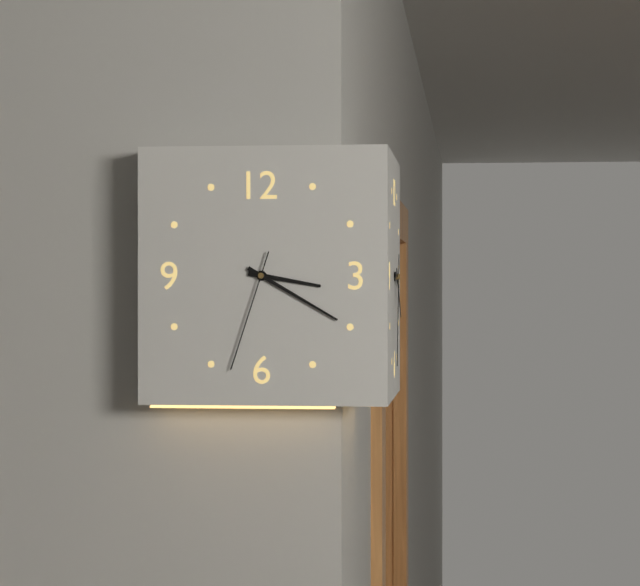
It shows 3:20:33
